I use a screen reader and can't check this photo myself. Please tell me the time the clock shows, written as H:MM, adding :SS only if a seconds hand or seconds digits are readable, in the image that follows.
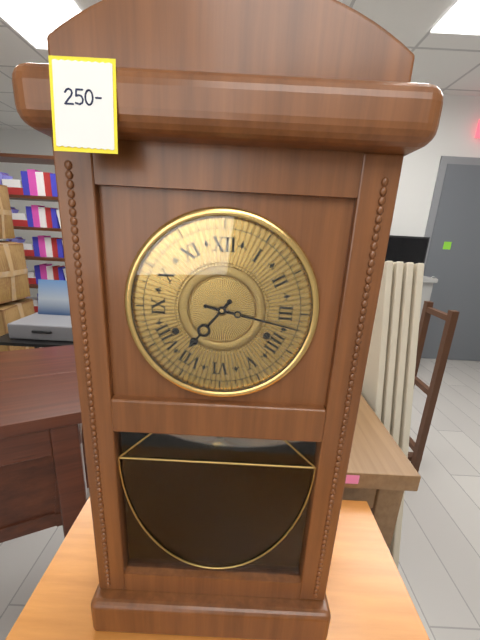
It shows 7:17
